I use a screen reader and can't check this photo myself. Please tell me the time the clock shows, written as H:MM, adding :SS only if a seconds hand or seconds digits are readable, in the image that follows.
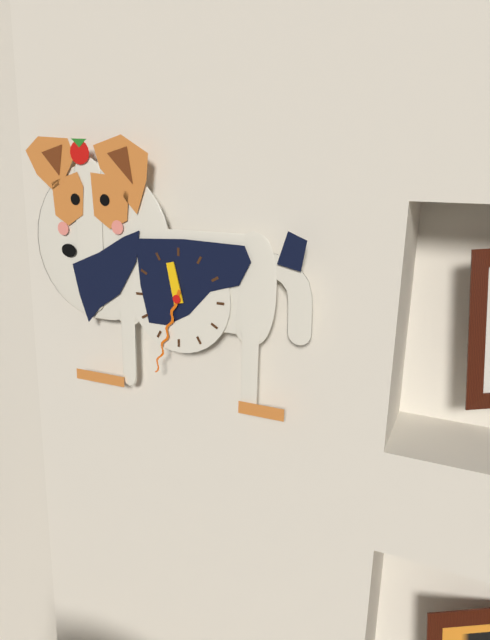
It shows 11:33
